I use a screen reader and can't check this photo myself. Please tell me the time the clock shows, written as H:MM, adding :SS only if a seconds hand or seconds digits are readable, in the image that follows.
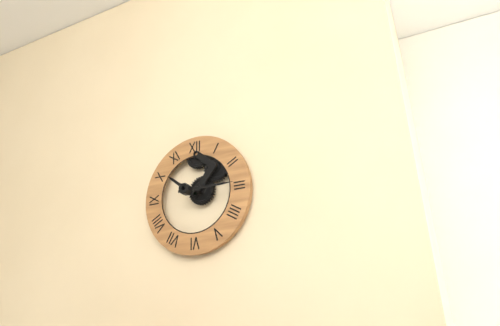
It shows 10:15
